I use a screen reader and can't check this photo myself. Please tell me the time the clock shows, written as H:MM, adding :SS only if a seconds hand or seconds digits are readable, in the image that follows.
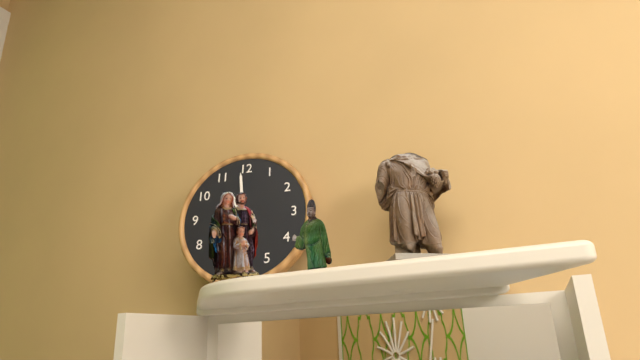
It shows 10:59
